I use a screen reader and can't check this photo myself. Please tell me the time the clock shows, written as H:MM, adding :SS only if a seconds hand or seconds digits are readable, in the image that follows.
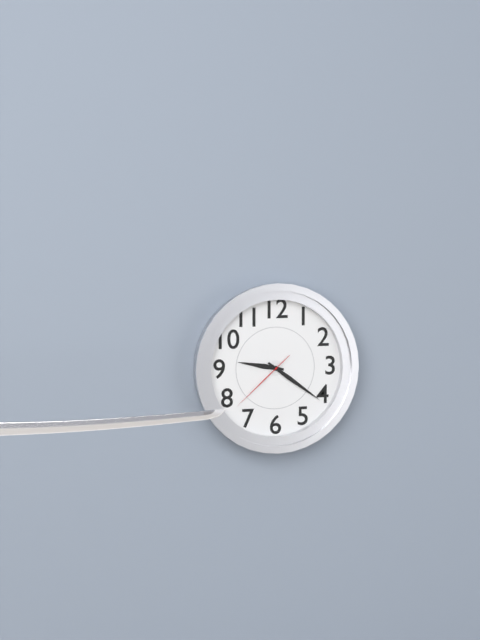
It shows 9:21:38
